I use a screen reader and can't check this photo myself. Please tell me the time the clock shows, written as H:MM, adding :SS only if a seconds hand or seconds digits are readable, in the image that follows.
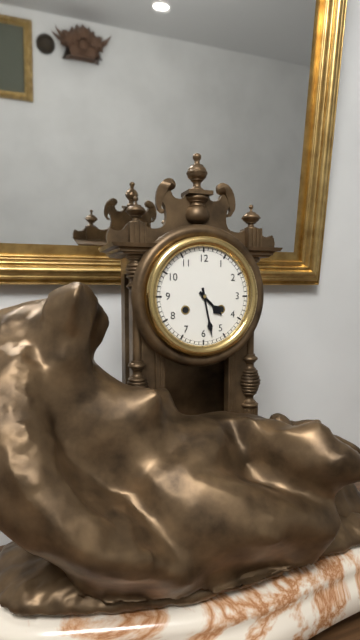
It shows 4:28
